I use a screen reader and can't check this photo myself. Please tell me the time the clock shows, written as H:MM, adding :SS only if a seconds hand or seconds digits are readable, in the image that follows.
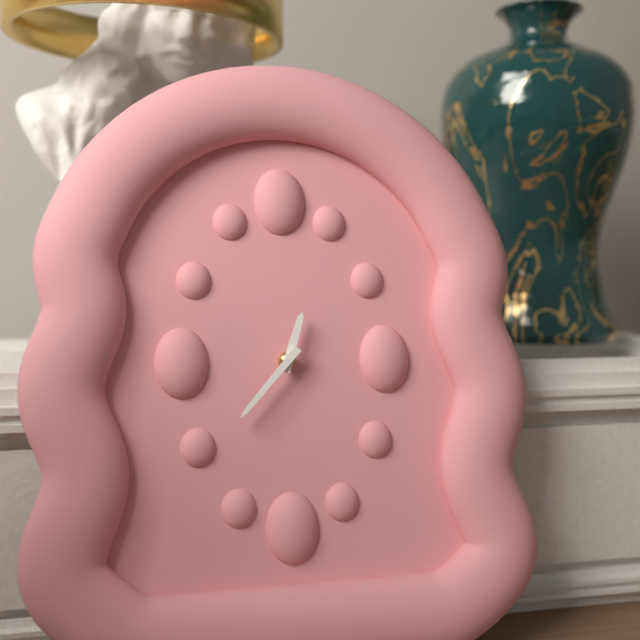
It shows 12:37
